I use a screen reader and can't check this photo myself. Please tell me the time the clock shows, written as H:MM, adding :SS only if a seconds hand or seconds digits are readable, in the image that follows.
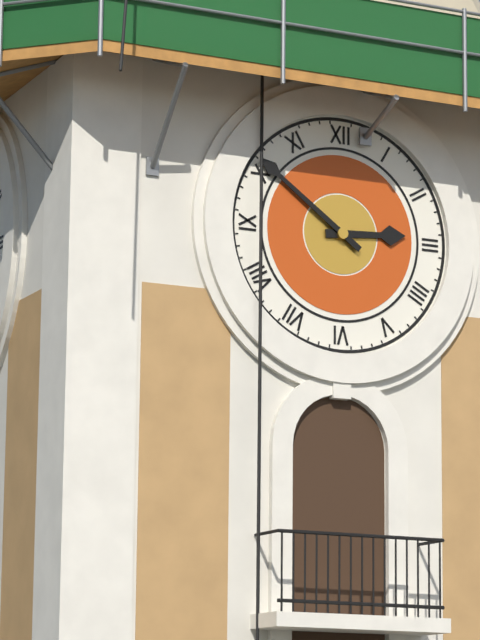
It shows 2:51
